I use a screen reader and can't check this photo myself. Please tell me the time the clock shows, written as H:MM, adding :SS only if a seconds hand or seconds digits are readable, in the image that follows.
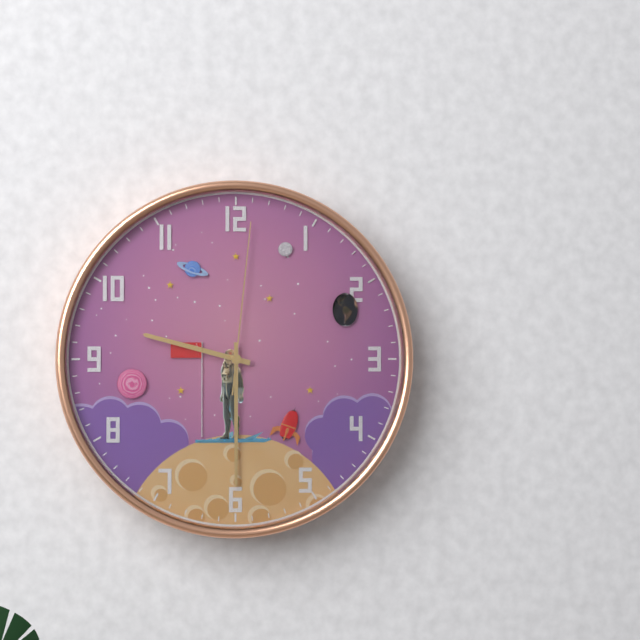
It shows 9:30:01
